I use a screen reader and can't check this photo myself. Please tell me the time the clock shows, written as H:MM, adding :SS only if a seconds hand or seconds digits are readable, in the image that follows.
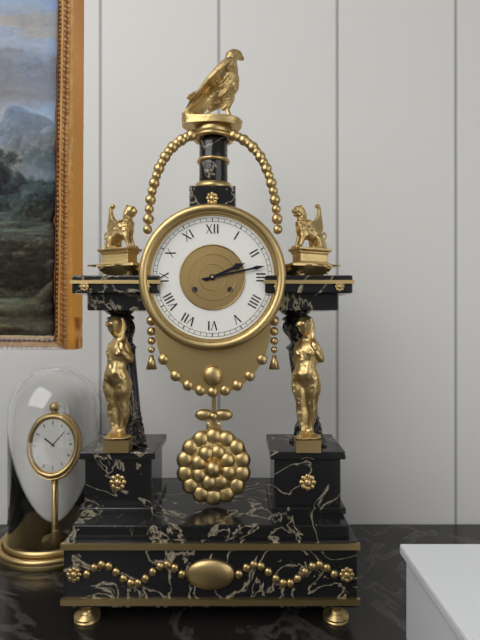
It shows 2:13
